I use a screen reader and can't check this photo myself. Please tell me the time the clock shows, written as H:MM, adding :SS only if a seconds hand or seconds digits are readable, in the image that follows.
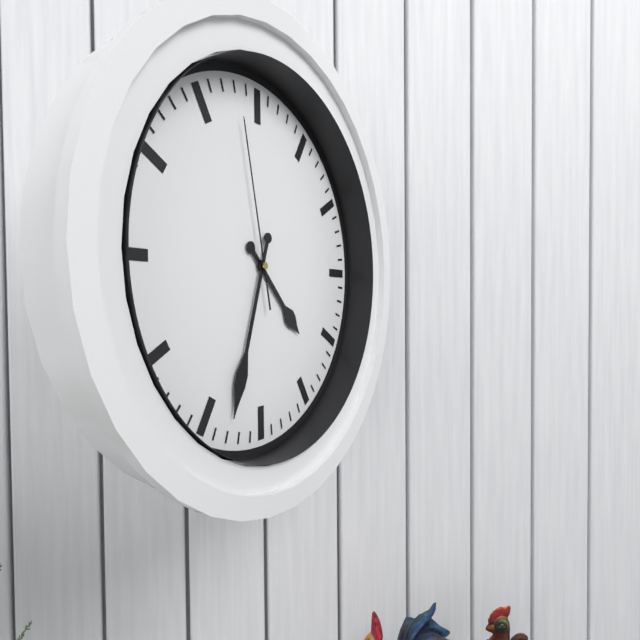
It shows 4:33:58
